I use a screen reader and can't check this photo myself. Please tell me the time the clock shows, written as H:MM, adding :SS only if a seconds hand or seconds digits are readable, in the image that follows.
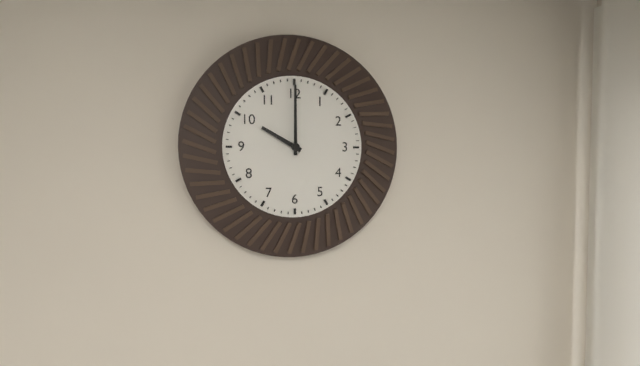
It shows 10:00
